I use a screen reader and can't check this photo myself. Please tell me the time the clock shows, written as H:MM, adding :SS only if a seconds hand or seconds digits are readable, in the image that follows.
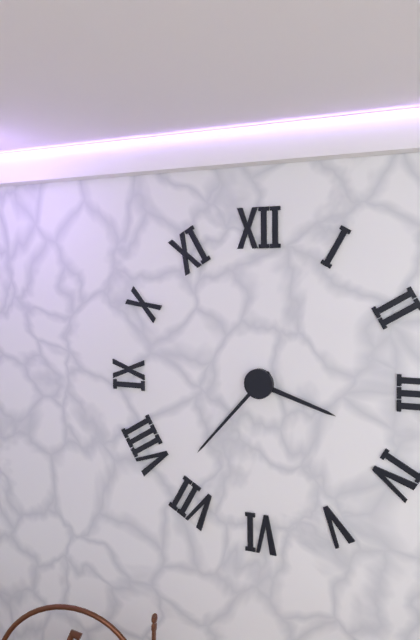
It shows 3:37
